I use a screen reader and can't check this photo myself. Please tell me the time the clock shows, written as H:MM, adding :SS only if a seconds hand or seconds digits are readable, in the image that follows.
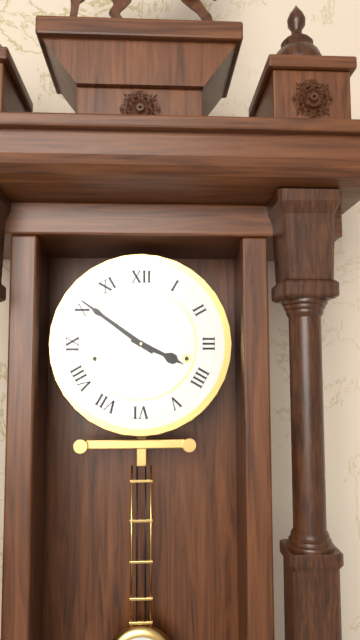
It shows 3:51
